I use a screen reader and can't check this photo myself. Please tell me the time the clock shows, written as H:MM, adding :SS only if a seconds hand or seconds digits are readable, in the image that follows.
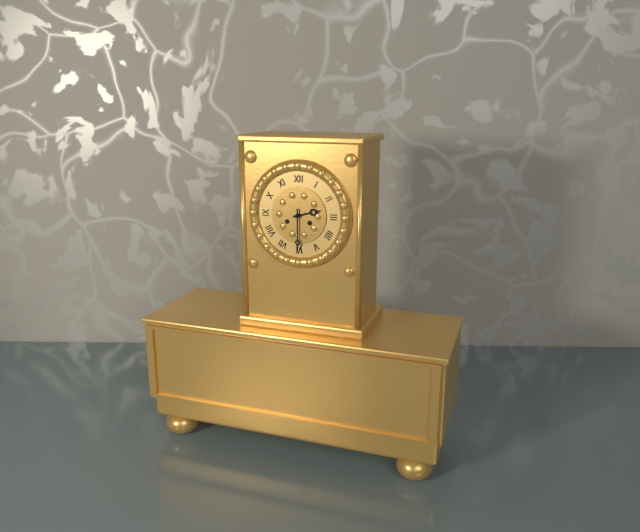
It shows 2:30
